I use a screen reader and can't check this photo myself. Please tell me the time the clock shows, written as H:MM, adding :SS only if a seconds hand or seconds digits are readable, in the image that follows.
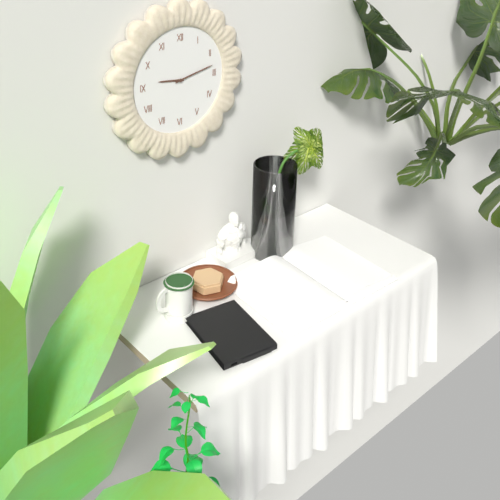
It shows 9:13
